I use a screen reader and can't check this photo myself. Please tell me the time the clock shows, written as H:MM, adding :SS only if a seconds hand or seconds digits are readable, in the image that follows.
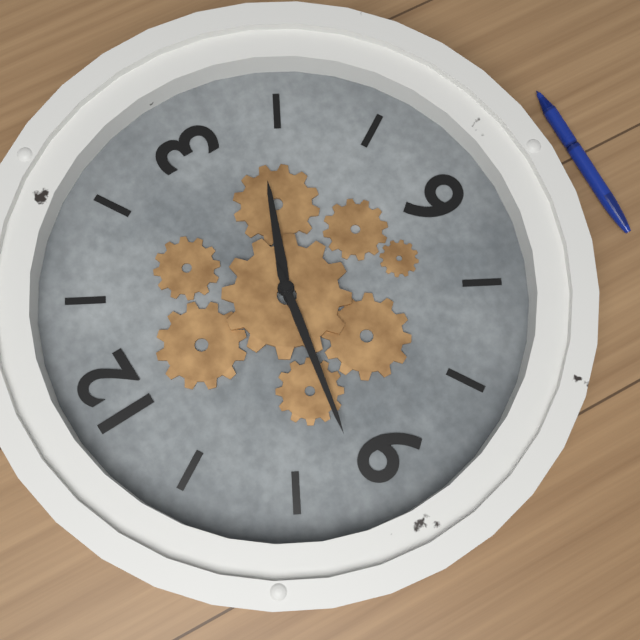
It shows 3:47
